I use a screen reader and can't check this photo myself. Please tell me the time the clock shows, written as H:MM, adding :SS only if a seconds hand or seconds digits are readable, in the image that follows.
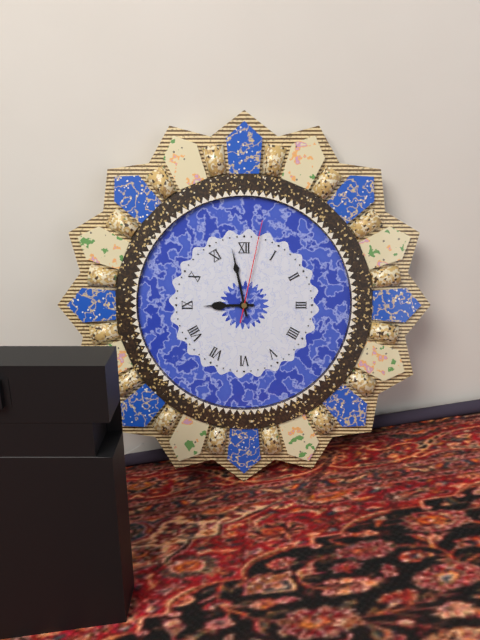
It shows 8:58:02
